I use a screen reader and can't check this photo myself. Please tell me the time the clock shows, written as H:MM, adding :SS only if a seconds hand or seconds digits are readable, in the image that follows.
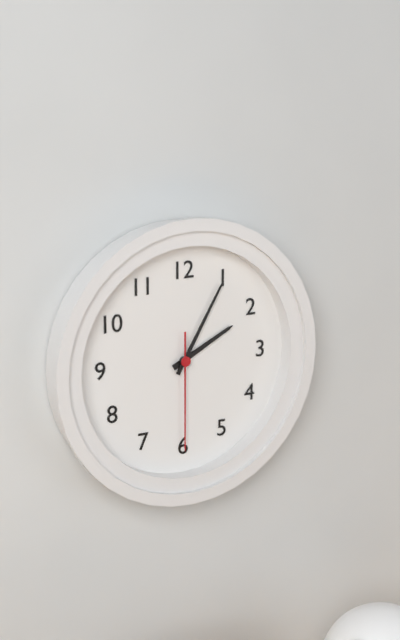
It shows 2:05:30
